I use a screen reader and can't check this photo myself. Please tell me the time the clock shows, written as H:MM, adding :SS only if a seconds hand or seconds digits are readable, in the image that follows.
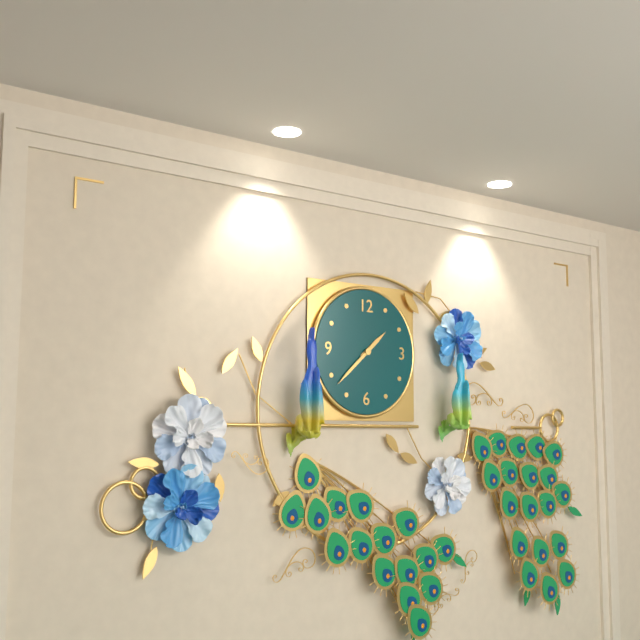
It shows 1:38
